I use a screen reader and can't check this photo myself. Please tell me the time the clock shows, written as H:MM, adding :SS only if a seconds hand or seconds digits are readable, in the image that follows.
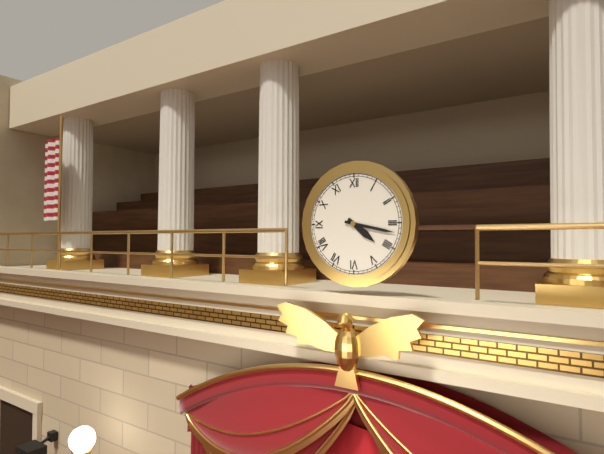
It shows 4:17
